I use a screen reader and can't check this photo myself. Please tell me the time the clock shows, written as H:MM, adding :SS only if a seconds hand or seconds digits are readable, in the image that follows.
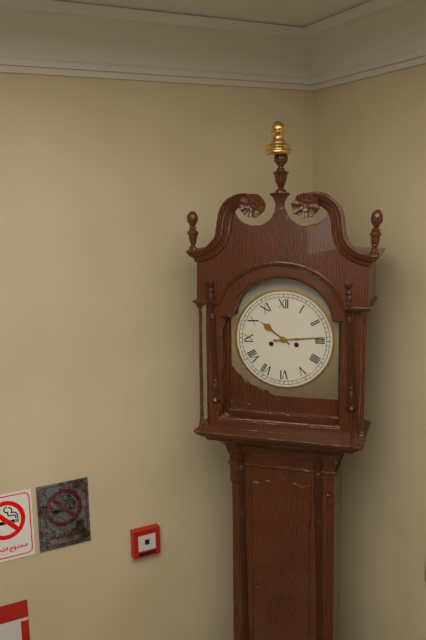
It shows 10:14
